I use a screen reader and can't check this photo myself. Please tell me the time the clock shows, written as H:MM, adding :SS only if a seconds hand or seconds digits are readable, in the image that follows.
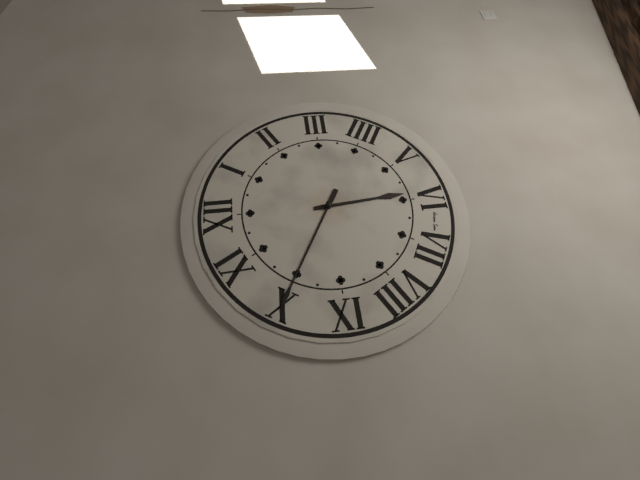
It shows 5:50
